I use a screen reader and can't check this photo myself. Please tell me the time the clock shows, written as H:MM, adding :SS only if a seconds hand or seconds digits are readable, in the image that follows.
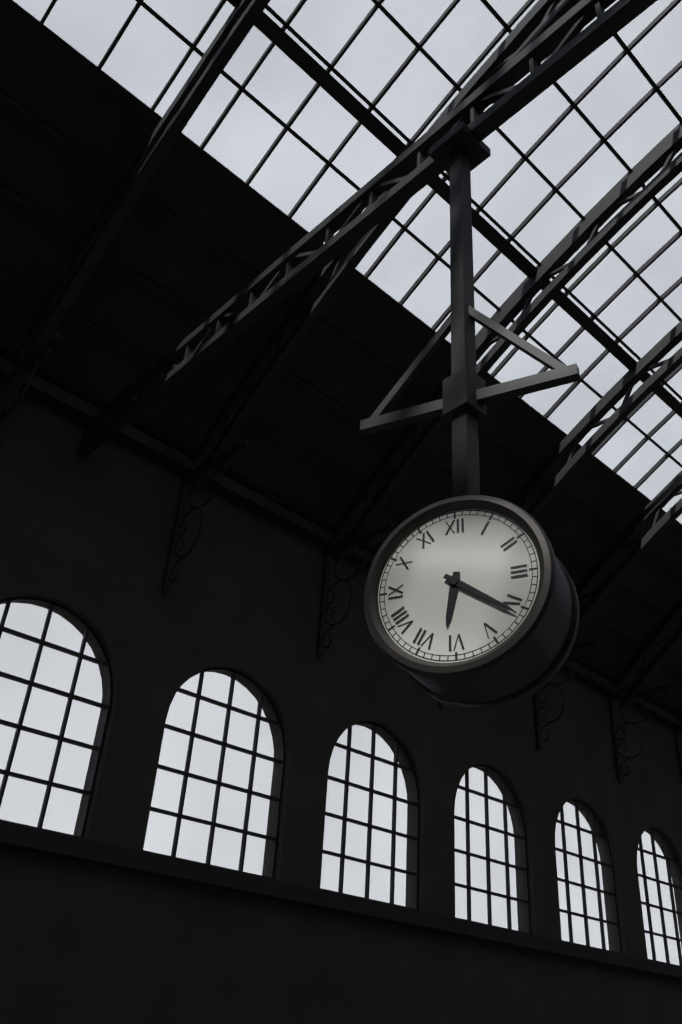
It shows 6:21
